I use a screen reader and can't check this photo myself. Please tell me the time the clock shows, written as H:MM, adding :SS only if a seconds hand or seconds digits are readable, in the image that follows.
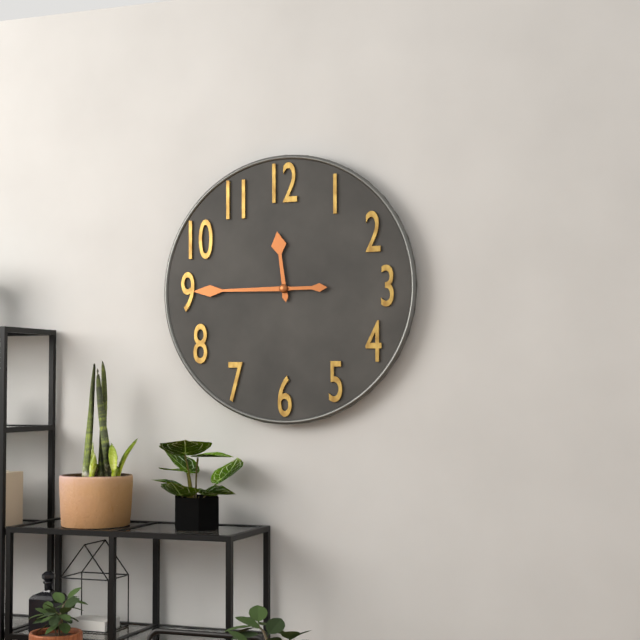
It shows 11:45
